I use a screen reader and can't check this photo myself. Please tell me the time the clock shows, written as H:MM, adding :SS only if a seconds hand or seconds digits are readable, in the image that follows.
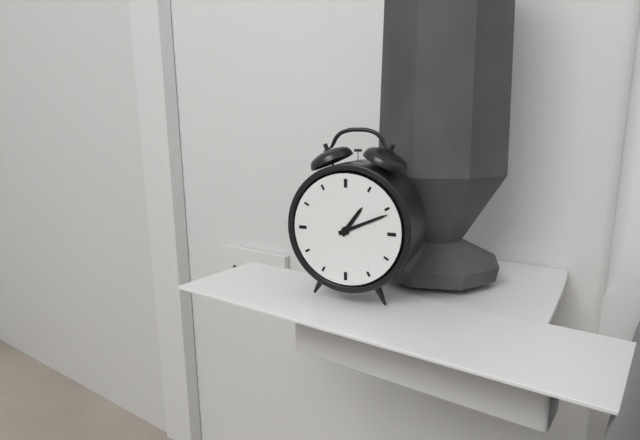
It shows 1:11
